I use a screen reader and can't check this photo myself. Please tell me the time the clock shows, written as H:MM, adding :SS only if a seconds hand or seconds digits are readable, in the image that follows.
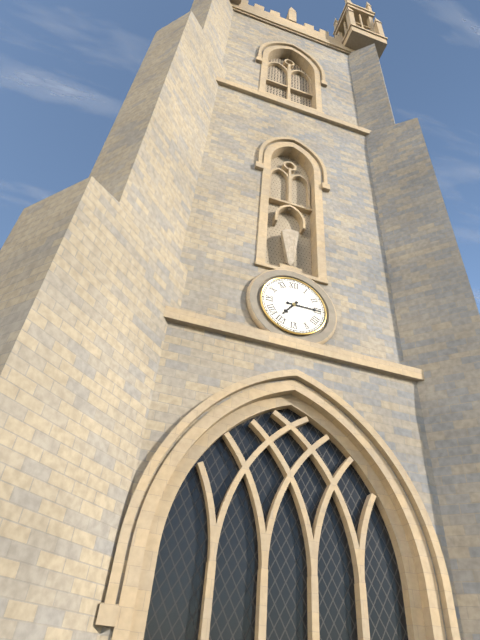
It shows 7:15
